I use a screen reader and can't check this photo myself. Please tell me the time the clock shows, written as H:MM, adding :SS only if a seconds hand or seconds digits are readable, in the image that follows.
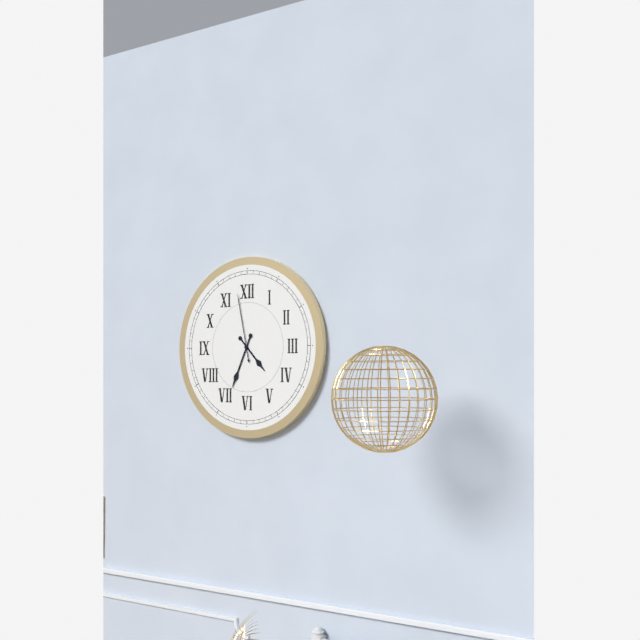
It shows 4:34:58
